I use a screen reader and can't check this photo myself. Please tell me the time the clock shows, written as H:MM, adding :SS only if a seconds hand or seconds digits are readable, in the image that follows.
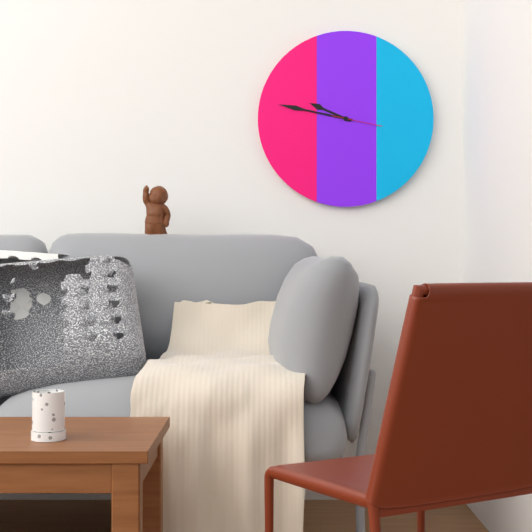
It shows 9:47
